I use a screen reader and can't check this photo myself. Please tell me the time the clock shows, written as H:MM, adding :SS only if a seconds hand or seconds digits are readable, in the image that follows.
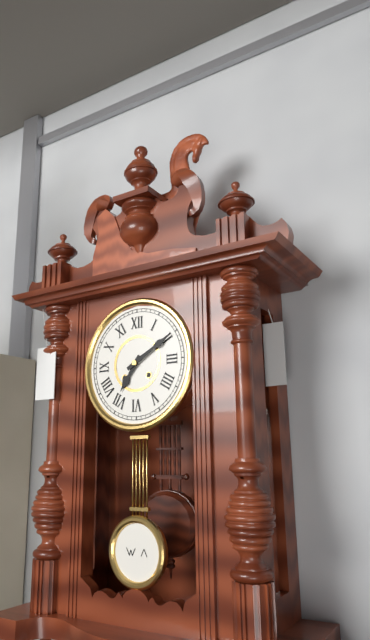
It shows 7:10
